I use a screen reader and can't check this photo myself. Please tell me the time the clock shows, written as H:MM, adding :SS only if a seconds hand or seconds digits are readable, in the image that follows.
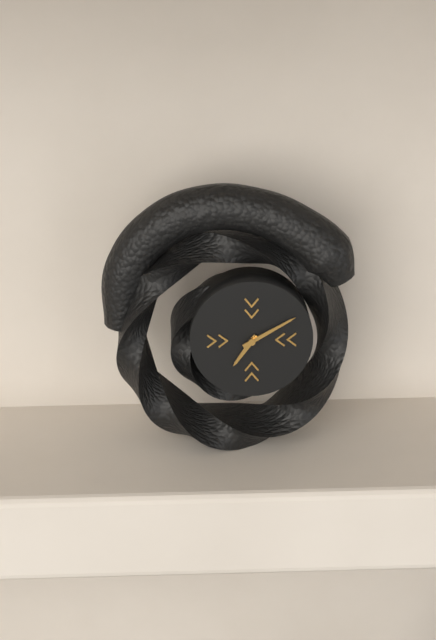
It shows 7:10
